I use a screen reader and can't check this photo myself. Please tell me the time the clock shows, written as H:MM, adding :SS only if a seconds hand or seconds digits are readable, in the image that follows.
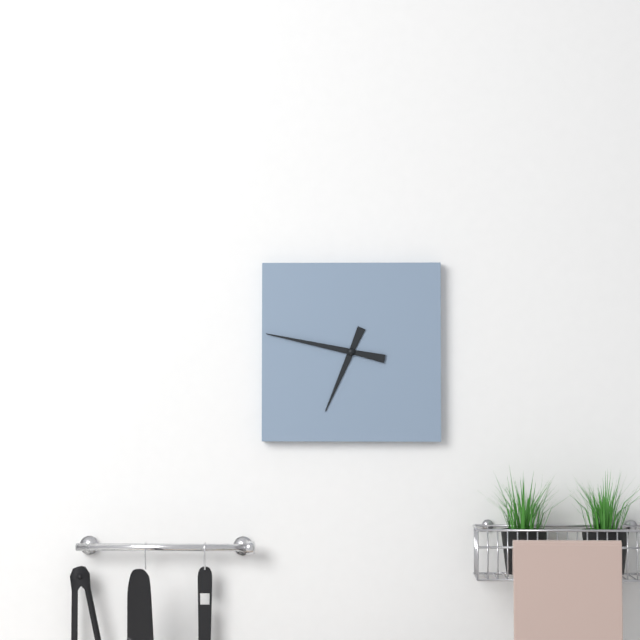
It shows 6:47
